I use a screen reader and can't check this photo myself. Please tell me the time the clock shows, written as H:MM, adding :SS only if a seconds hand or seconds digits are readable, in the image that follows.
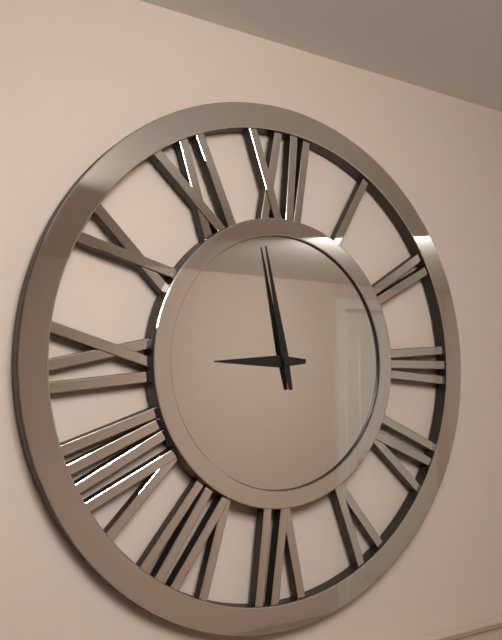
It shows 8:58
